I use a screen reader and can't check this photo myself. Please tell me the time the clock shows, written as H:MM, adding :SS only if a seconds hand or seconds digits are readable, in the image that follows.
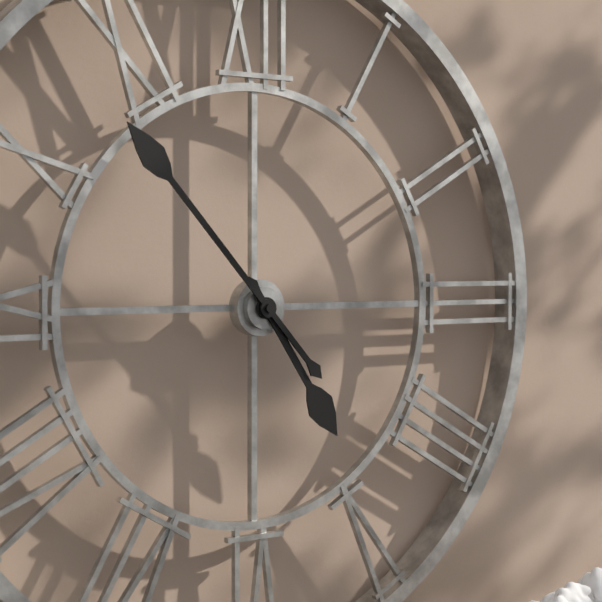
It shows 4:53
